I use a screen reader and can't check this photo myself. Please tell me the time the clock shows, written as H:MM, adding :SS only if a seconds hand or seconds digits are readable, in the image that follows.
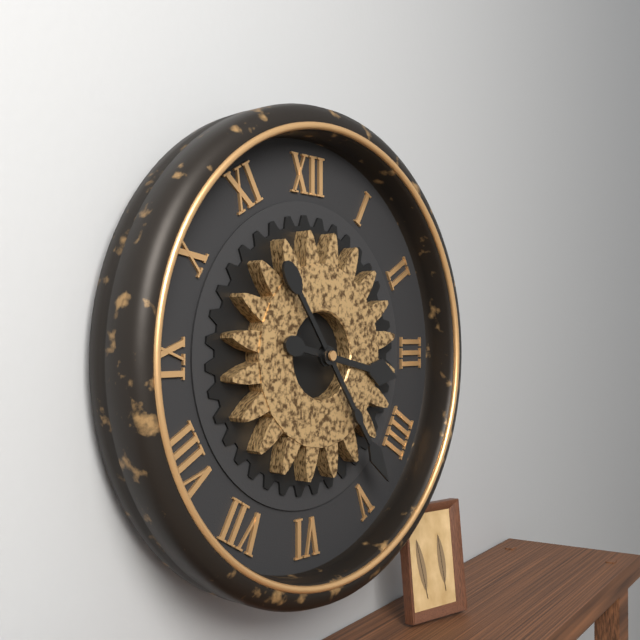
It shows 3:24
